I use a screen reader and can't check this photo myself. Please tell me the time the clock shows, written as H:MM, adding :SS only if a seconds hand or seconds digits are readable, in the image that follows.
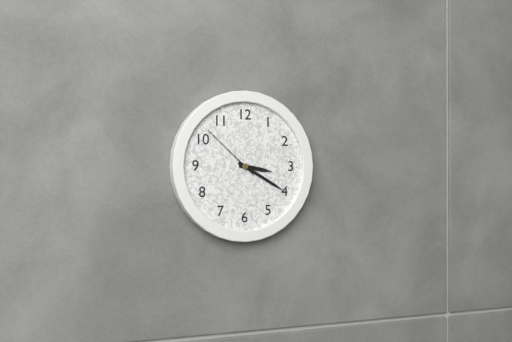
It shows 3:20:52
